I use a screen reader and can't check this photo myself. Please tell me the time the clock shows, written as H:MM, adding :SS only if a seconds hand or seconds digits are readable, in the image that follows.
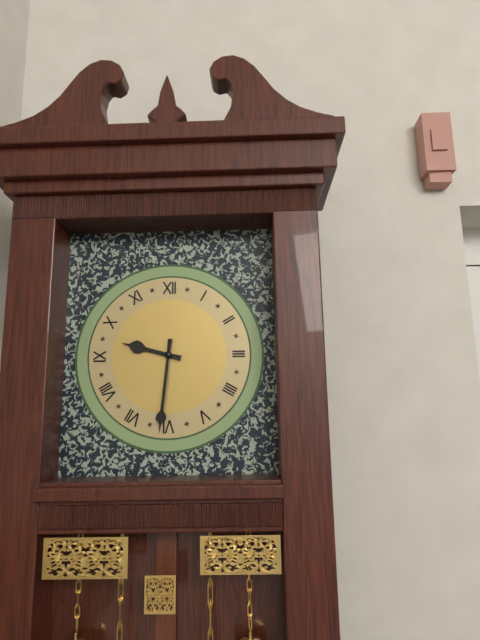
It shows 9:31
